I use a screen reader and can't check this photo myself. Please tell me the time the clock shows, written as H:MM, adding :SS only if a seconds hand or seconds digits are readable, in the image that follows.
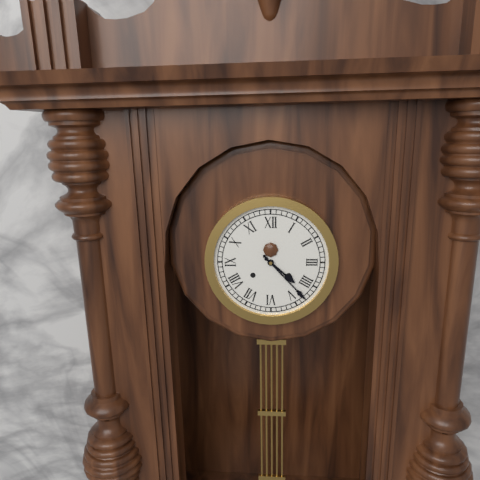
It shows 4:23
